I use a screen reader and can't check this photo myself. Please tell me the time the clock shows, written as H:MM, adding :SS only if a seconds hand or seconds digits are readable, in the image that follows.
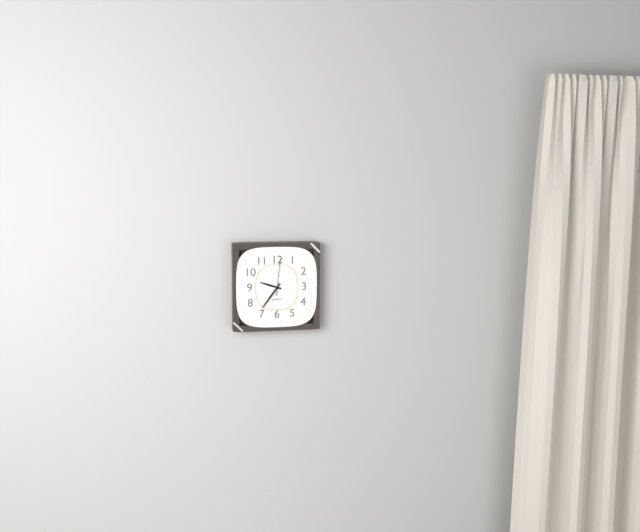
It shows 9:36
